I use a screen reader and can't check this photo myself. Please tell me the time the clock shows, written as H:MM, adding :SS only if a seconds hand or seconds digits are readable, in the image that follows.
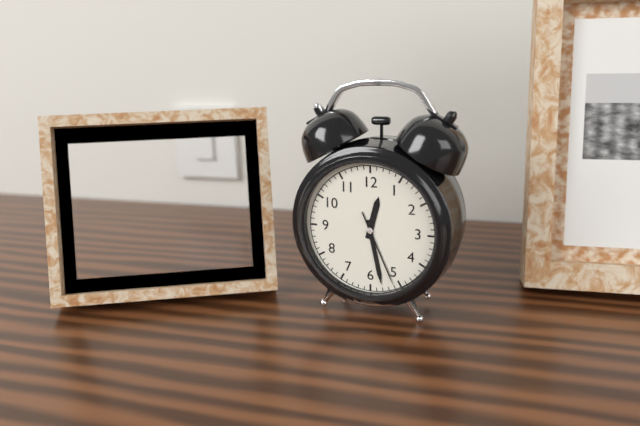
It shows 12:28:26
